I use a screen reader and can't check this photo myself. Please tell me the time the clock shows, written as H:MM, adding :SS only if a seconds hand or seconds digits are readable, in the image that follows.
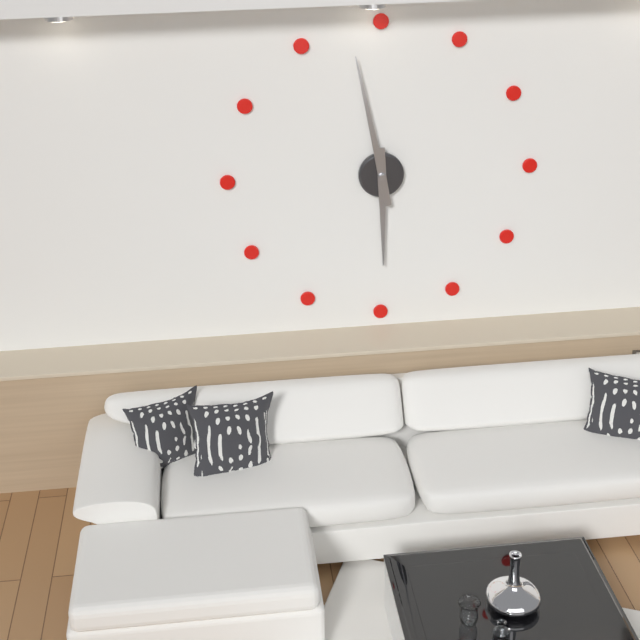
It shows 5:58
